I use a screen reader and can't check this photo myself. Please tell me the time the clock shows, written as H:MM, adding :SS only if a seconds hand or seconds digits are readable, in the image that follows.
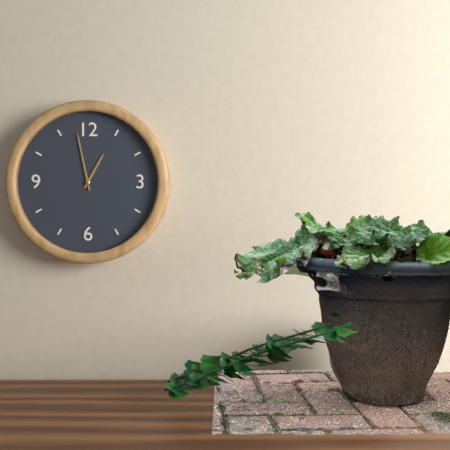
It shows 12:58
